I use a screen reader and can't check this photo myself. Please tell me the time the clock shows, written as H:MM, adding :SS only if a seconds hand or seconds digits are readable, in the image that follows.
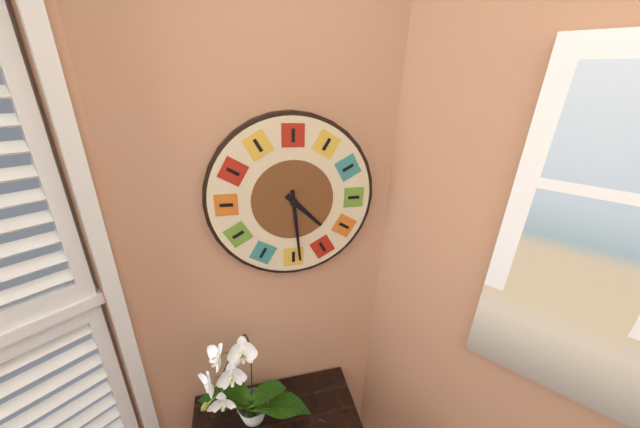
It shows 4:29
